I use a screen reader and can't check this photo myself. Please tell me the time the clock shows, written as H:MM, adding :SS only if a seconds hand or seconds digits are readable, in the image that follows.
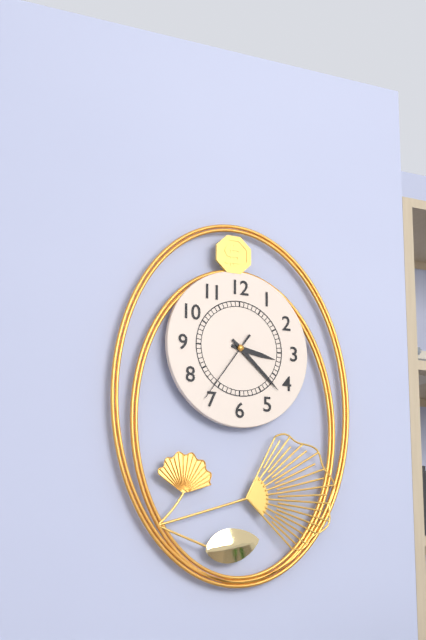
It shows 3:22:36
